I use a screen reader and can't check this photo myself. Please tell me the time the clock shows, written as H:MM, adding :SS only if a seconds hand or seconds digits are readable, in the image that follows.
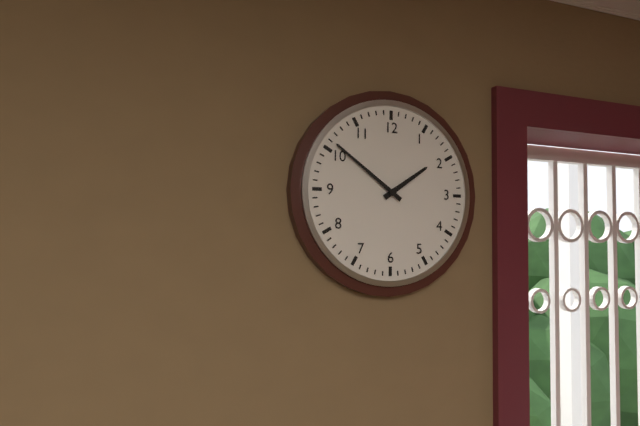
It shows 1:51
